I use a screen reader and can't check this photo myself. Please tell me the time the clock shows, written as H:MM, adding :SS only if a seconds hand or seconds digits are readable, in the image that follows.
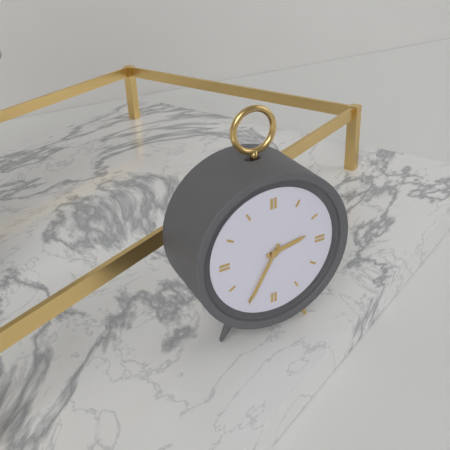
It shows 2:35
